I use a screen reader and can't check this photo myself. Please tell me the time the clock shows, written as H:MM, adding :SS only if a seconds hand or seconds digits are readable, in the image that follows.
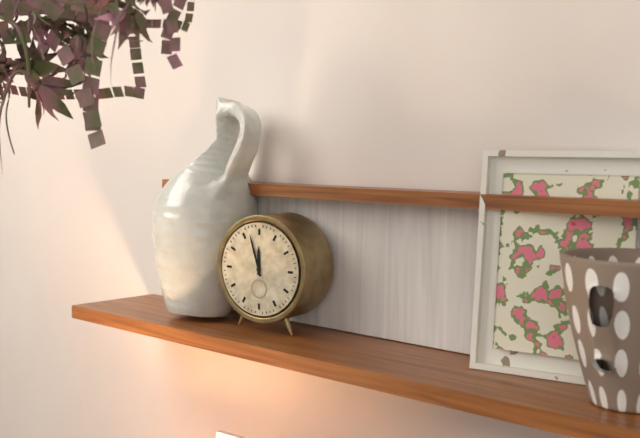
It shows 11:57
